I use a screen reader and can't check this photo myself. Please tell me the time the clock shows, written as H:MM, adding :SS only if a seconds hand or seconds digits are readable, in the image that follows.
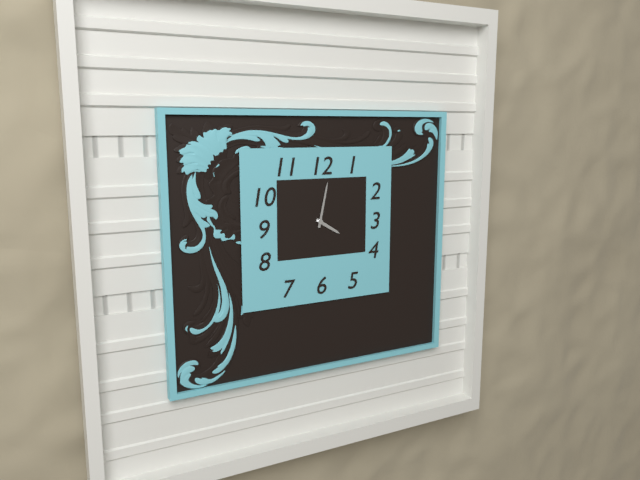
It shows 4:02
